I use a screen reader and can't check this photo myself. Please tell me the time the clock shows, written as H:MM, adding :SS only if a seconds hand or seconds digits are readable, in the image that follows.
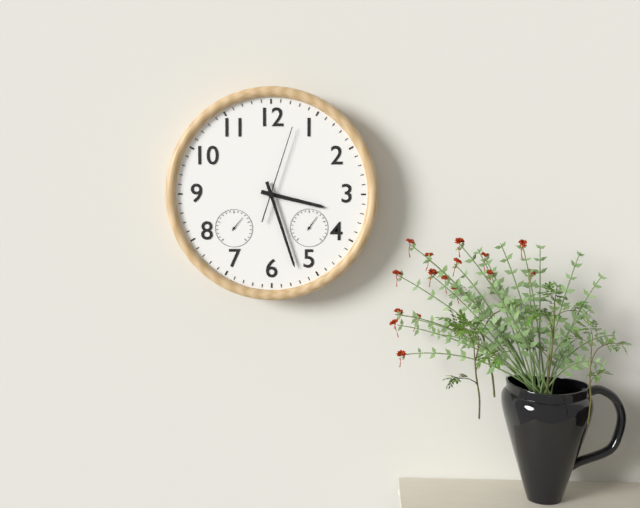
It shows 3:27:03
